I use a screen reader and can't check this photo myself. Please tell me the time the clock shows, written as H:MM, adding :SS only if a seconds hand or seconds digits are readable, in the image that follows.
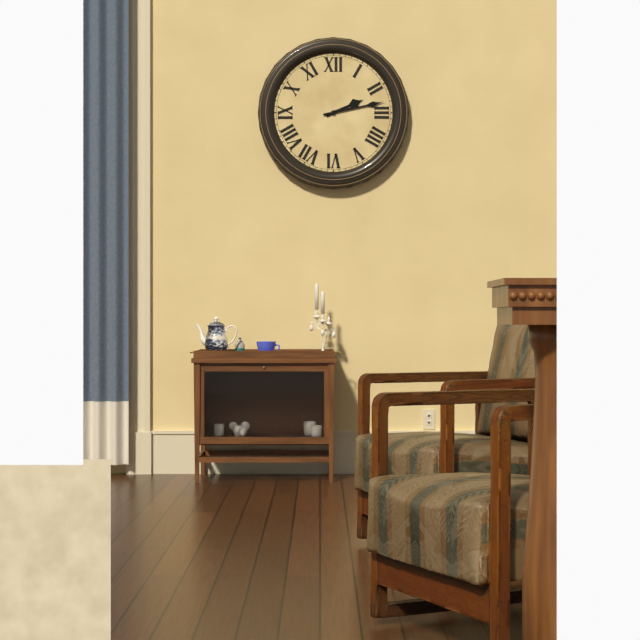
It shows 2:13
